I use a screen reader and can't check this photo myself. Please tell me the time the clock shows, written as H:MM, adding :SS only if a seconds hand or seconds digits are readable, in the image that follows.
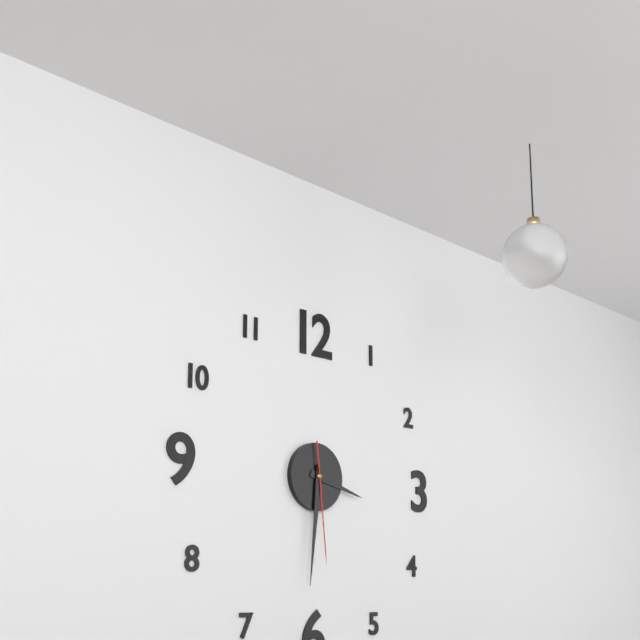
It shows 3:31:29
